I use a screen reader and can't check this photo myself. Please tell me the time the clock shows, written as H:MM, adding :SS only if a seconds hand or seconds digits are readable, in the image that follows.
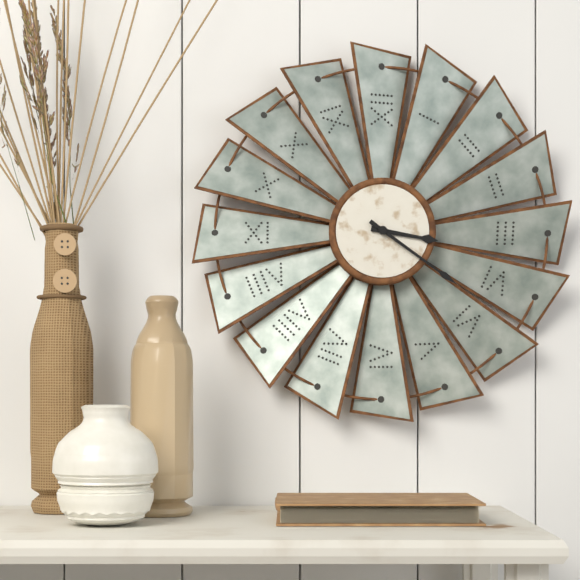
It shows 3:21
